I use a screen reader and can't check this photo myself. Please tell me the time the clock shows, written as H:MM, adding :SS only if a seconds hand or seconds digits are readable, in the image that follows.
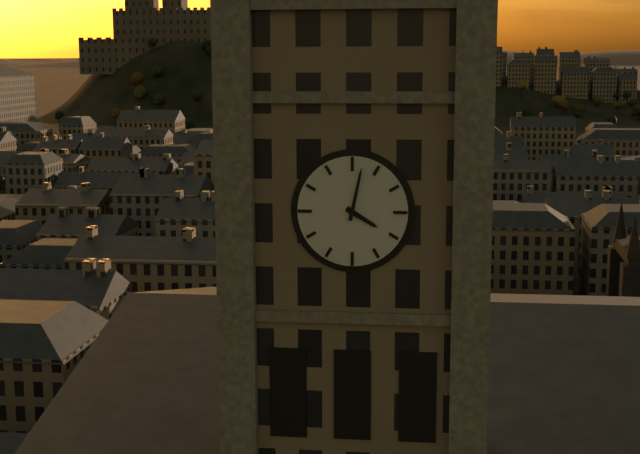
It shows 4:02
